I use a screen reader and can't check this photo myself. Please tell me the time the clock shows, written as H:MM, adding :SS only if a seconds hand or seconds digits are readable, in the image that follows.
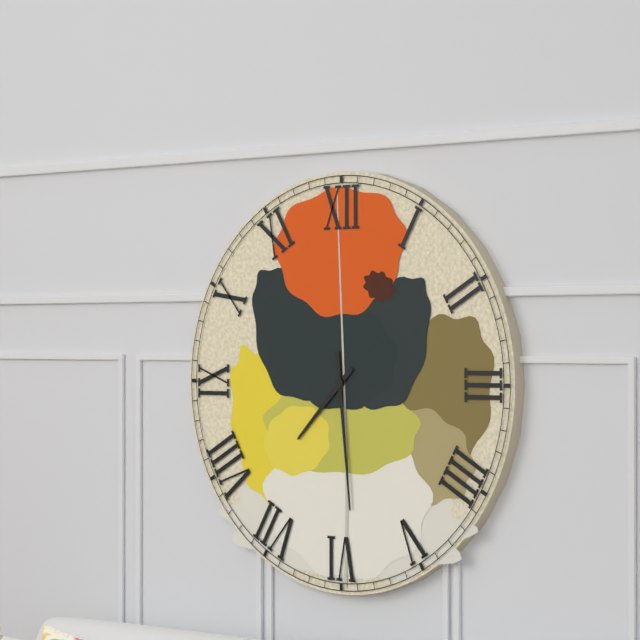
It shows 7:29
